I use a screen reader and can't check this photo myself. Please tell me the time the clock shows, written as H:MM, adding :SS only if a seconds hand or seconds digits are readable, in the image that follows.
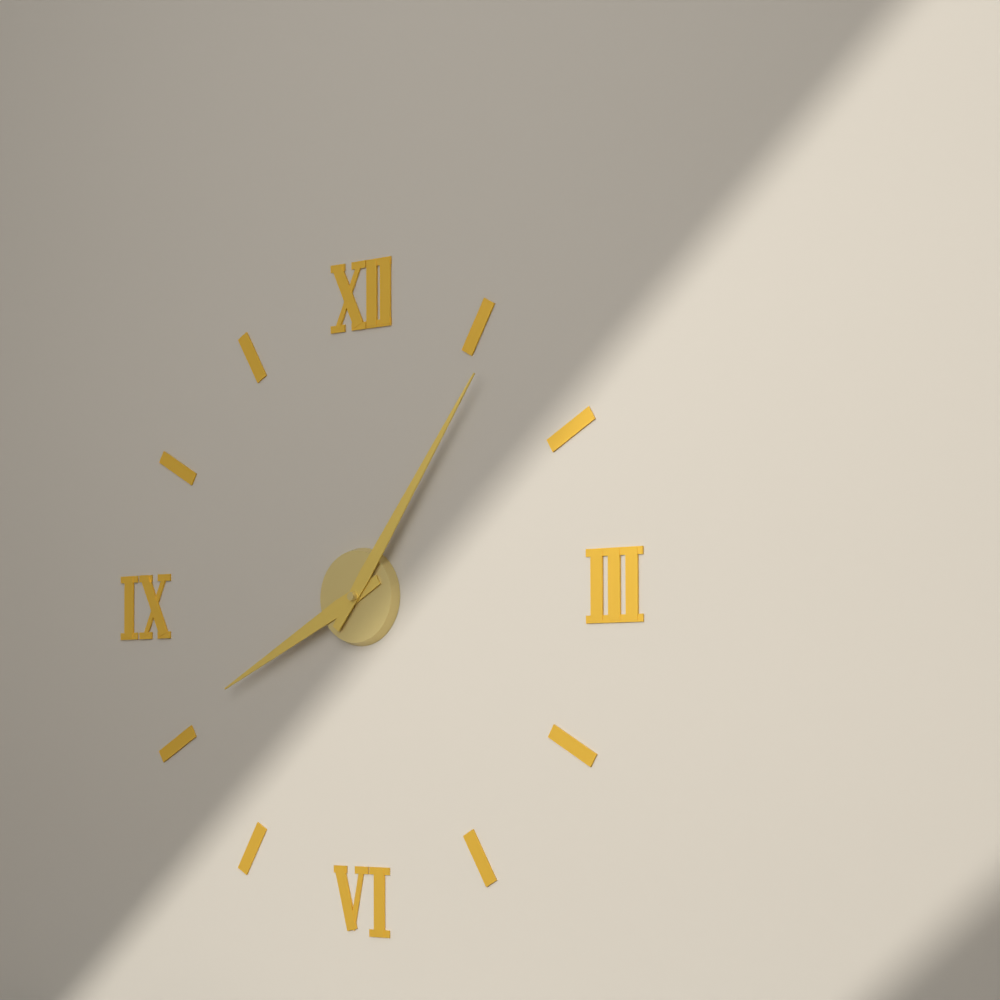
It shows 8:06
